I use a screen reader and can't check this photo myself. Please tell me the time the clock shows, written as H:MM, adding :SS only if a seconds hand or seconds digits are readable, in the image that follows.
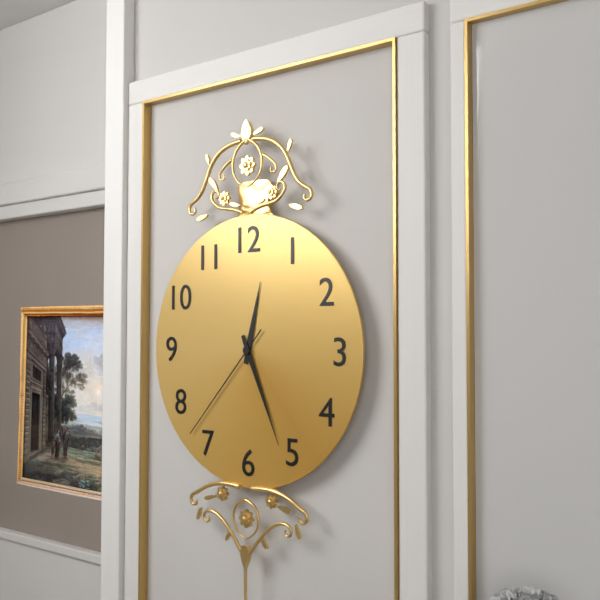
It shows 12:26:37
